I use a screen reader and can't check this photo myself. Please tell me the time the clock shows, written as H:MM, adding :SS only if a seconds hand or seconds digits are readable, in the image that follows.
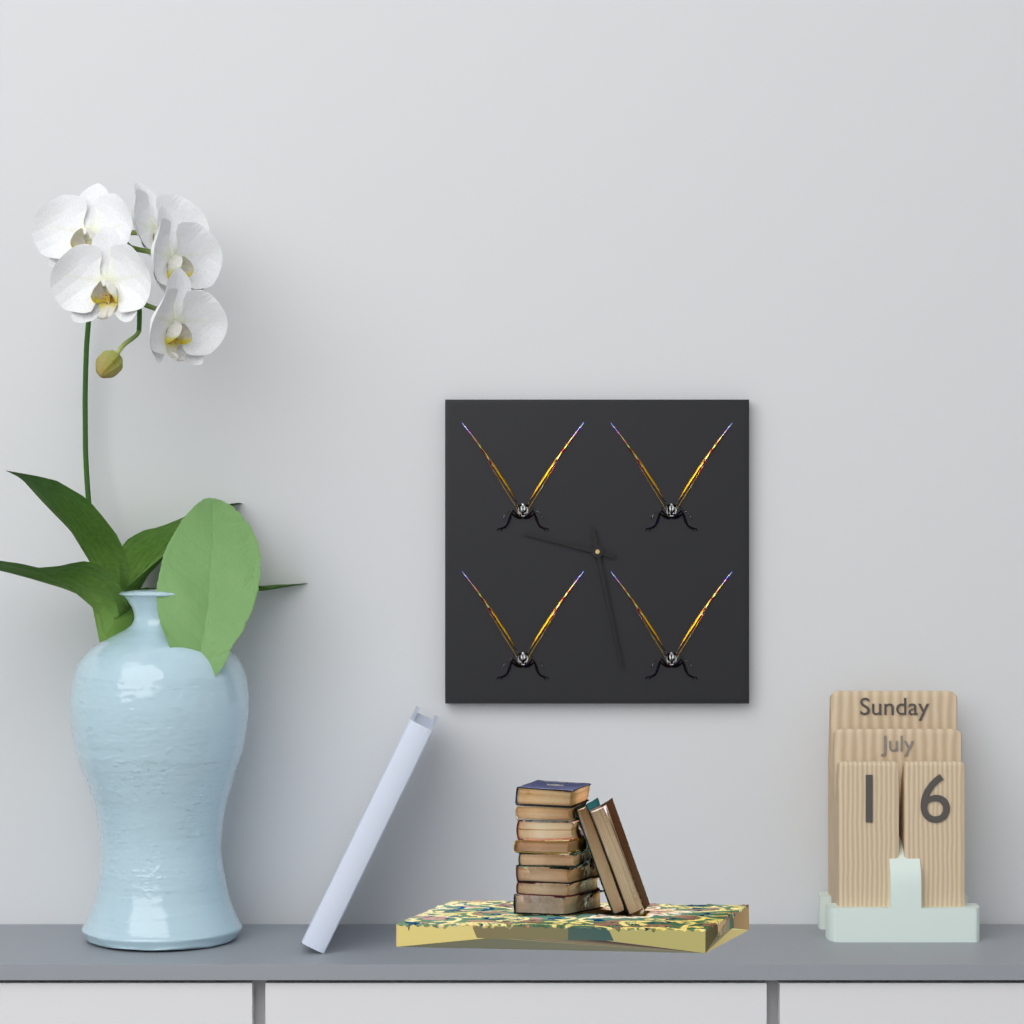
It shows 9:28
